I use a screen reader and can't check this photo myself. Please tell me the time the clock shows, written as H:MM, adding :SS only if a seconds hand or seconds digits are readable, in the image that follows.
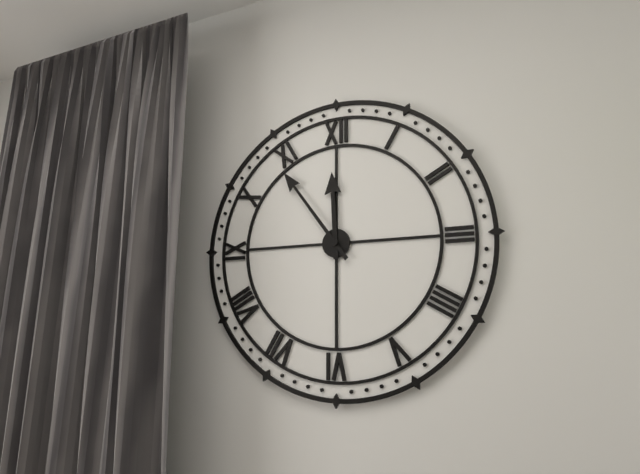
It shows 11:54
